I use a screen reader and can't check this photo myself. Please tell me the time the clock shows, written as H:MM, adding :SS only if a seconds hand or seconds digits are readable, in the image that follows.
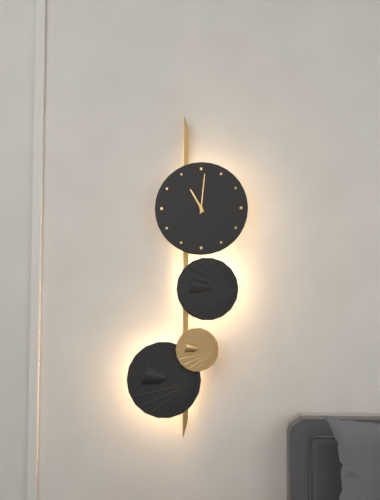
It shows 11:01
